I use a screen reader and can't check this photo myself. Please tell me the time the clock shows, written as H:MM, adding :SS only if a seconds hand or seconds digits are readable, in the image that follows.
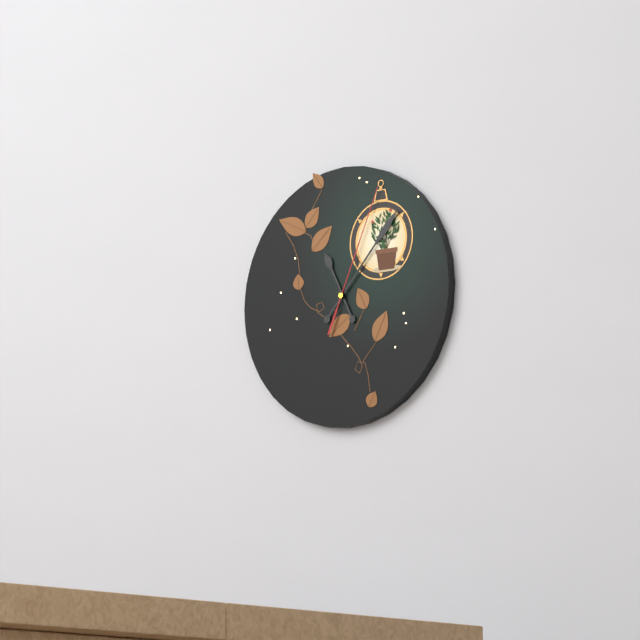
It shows 11:07:04
